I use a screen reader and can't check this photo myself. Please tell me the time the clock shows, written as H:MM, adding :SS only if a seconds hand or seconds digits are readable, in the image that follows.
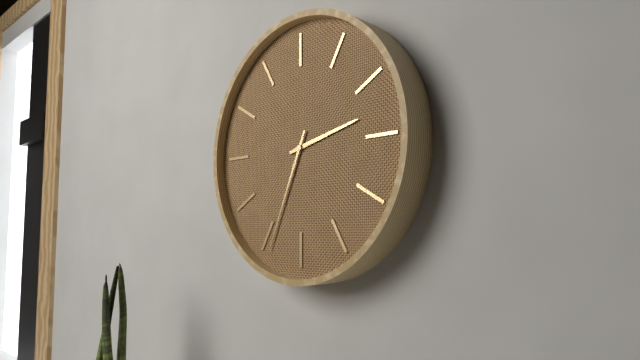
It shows 2:34
